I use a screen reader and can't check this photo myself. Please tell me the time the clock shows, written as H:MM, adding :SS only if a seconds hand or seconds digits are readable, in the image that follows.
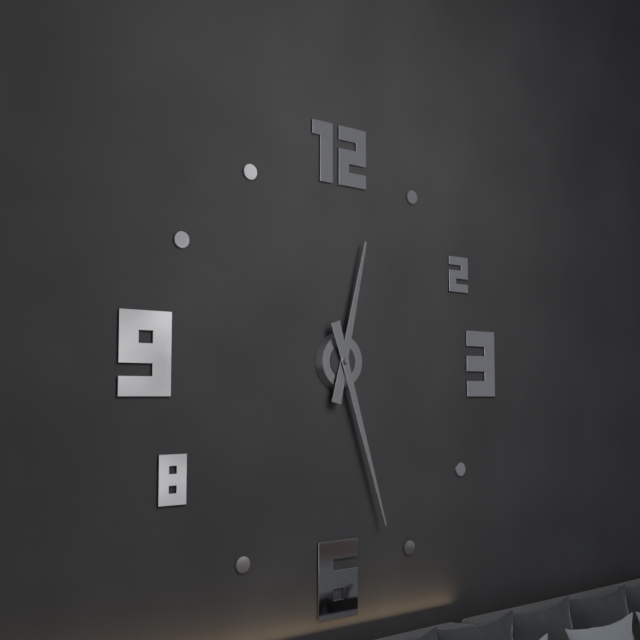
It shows 12:27
